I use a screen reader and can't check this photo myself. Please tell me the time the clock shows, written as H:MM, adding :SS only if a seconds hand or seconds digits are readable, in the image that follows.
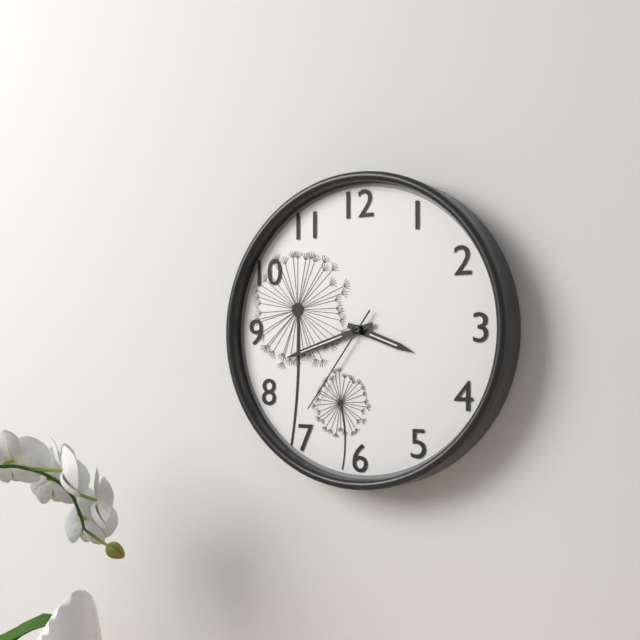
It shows 3:42:36
